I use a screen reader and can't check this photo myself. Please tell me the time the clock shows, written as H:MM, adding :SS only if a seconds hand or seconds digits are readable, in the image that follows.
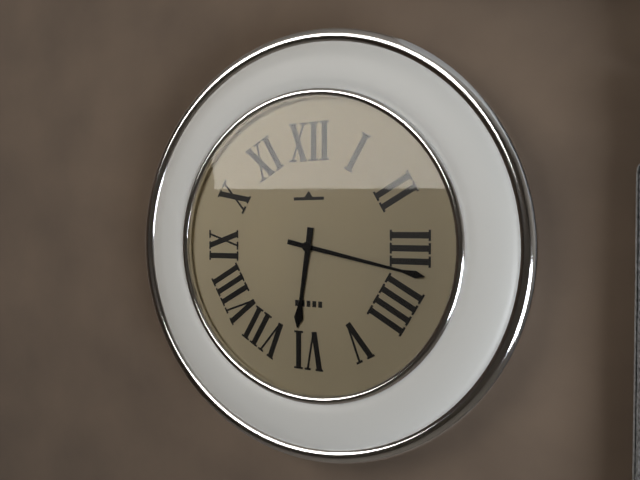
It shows 6:17
